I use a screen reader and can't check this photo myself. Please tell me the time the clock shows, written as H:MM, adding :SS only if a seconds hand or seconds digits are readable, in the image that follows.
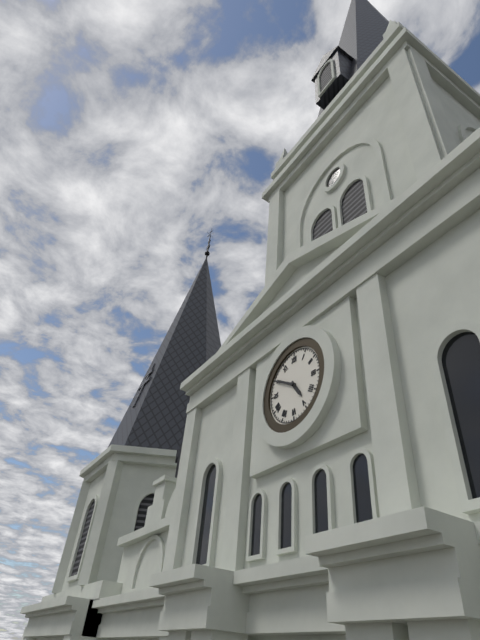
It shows 4:50
